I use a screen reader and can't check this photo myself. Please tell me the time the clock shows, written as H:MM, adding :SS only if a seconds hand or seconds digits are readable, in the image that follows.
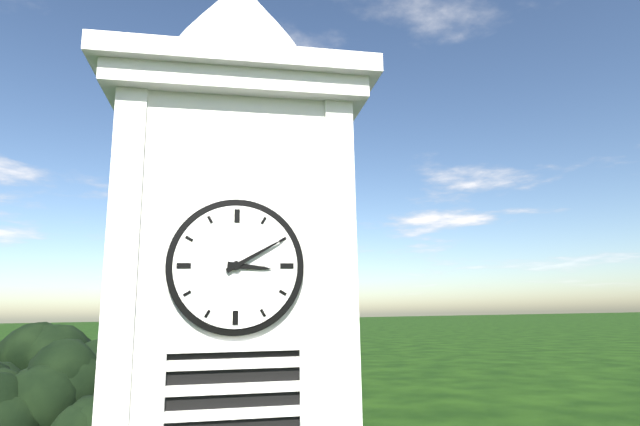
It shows 3:10
